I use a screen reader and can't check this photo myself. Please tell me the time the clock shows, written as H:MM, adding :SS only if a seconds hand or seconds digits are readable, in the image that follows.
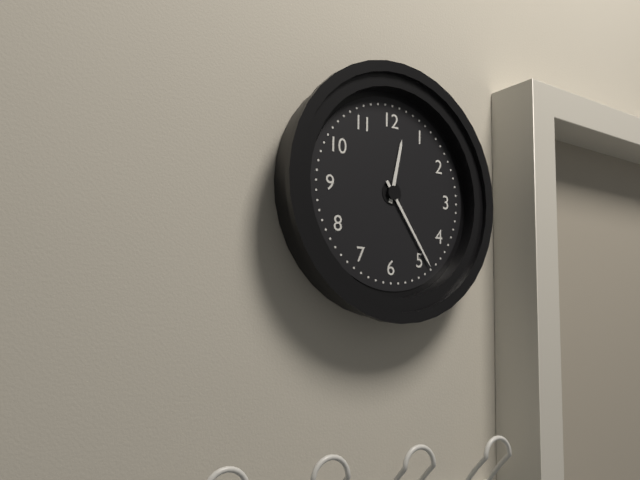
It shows 12:24
